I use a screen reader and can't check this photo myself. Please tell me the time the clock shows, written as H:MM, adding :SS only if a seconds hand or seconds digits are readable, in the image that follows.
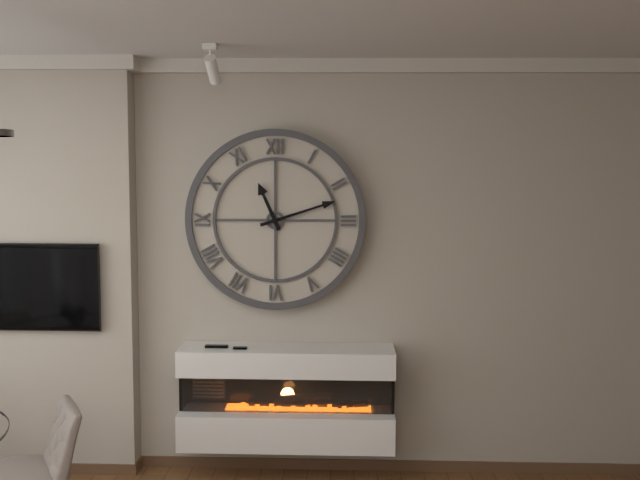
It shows 11:12
